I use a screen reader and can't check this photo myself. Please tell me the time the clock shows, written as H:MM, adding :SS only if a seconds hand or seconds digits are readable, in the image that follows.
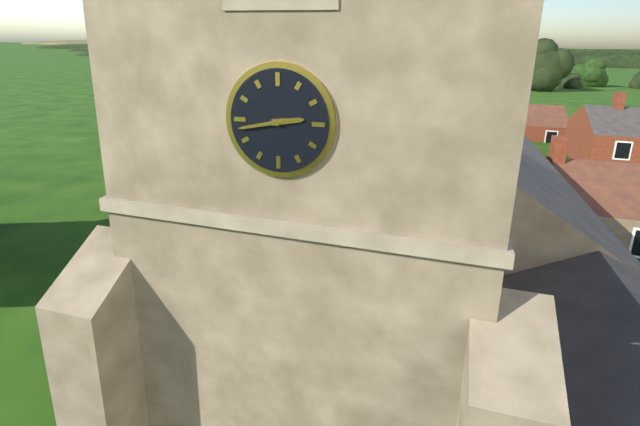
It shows 2:43
